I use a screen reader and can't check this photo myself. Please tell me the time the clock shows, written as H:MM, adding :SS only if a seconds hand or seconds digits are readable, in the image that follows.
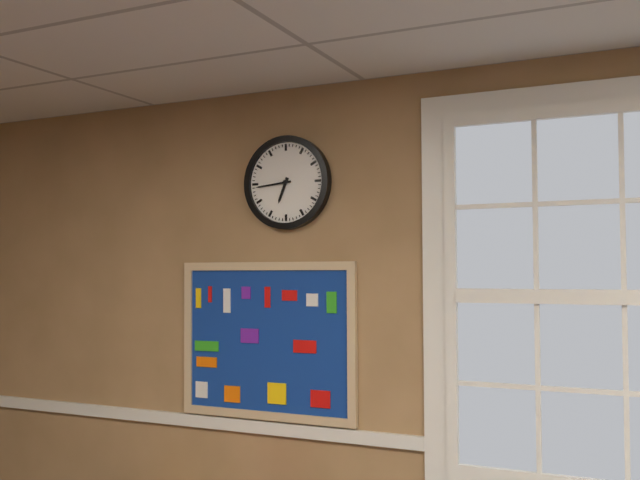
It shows 6:44
